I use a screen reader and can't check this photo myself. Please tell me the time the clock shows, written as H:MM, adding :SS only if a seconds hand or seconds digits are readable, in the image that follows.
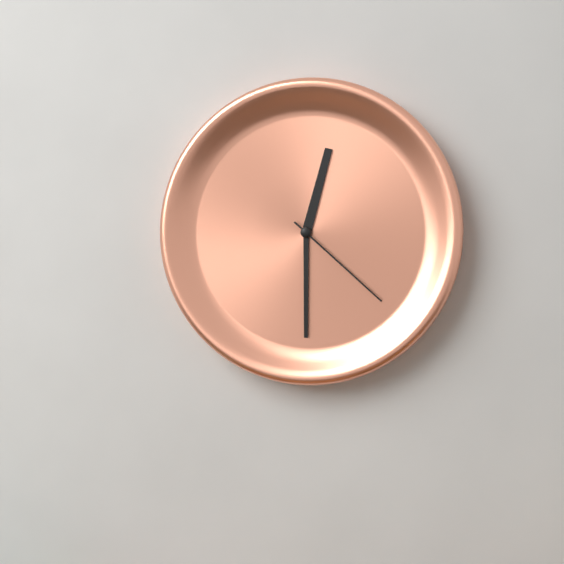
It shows 12:30:22
